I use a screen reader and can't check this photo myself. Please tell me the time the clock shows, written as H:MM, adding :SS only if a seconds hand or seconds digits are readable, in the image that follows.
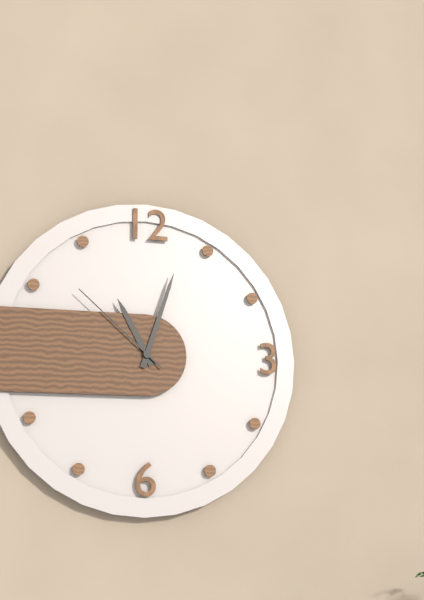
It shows 11:03:52
